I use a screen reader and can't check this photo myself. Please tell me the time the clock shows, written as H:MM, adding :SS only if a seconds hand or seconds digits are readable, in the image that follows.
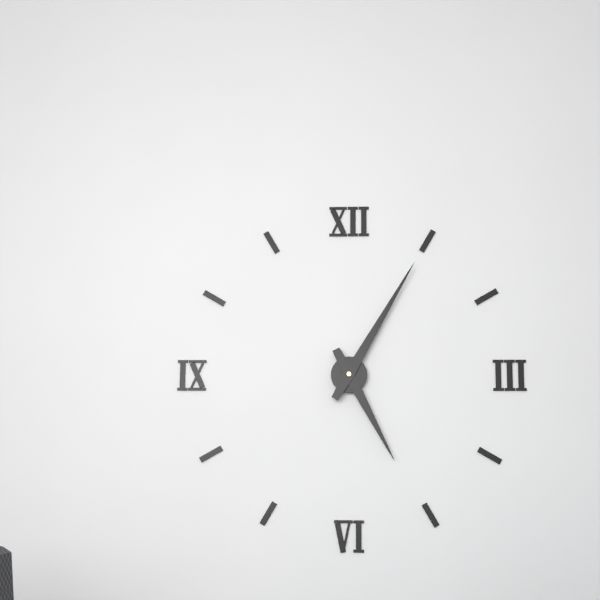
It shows 5:05
